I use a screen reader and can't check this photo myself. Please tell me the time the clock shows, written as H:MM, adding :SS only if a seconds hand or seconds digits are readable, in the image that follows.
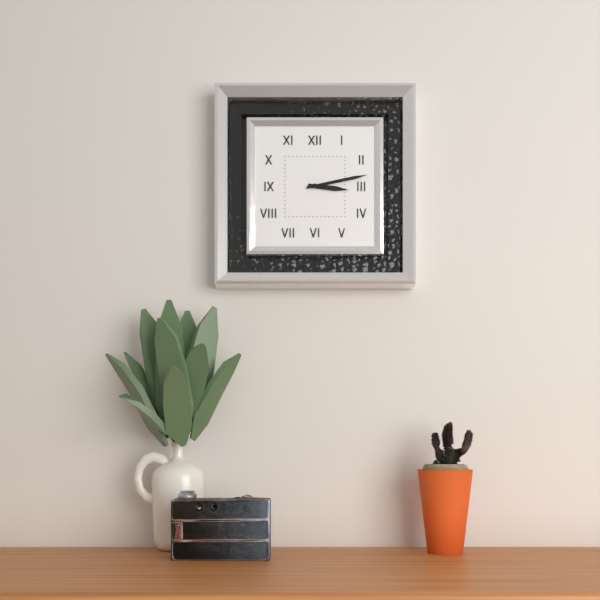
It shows 3:13
